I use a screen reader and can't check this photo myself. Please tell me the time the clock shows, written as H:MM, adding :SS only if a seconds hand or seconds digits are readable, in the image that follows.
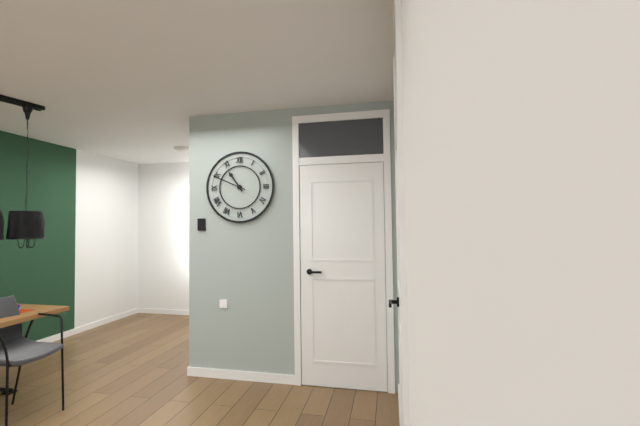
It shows 10:49
